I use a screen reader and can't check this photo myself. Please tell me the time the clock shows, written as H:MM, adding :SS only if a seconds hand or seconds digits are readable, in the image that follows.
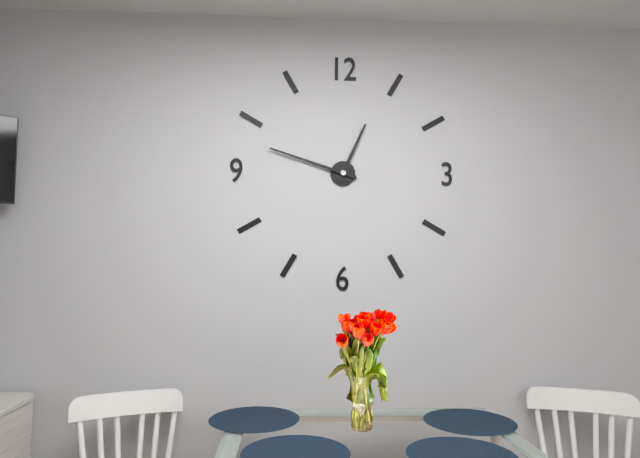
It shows 12:48
